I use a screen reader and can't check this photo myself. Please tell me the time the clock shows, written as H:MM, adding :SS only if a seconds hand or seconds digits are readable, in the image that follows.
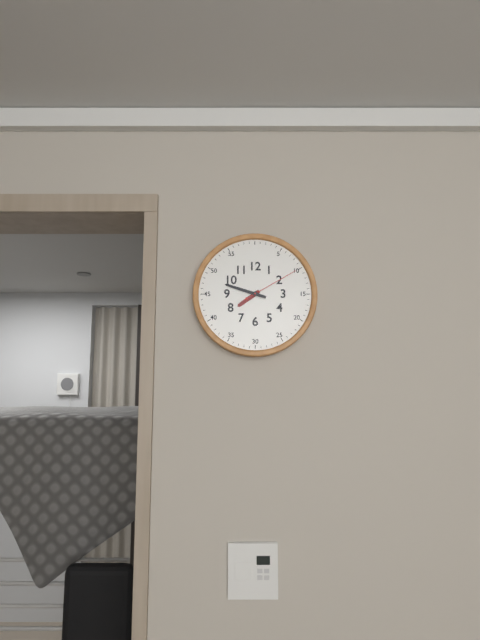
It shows 7:48:10
